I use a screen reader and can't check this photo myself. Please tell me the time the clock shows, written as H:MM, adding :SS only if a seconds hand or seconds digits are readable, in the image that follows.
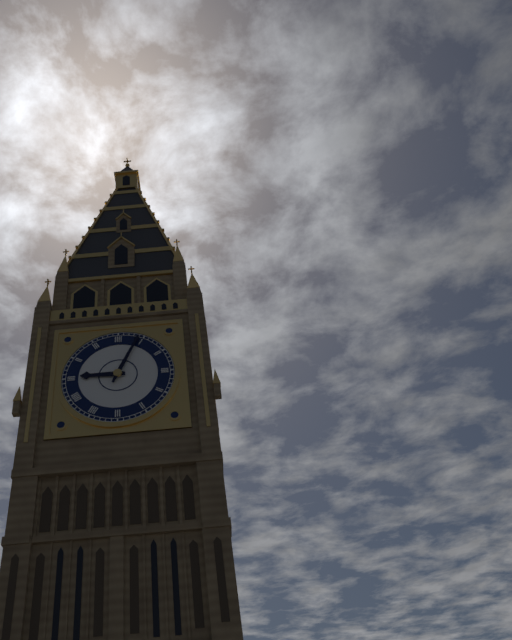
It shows 9:04
